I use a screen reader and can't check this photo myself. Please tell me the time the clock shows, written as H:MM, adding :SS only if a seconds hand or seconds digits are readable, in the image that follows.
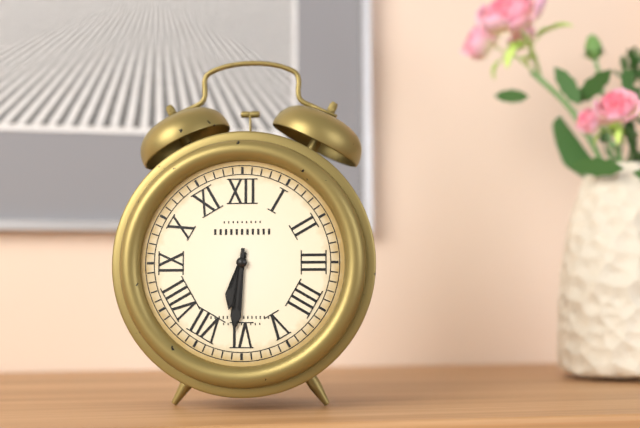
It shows 6:31
